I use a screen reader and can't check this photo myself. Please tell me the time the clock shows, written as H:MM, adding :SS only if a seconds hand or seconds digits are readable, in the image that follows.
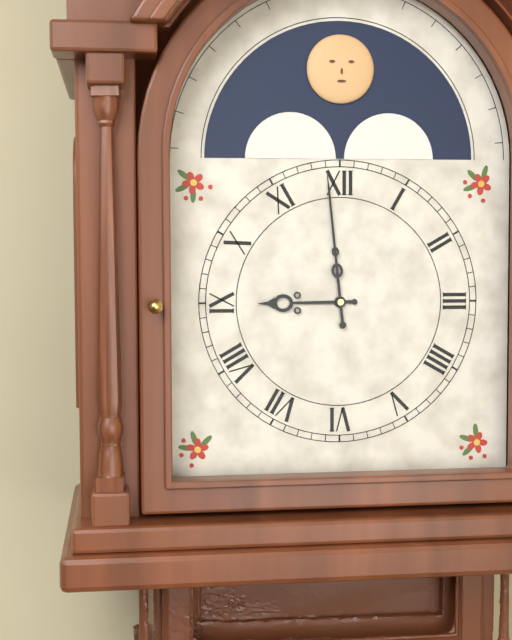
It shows 8:59
